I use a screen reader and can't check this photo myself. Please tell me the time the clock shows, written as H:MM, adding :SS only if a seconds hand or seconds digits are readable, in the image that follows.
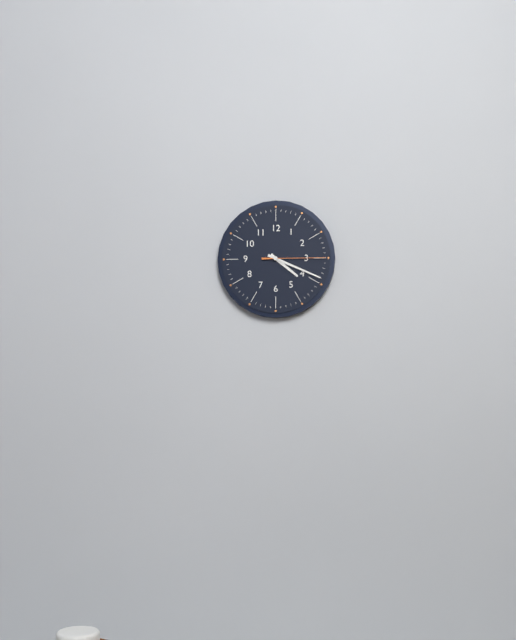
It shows 4:19:15
